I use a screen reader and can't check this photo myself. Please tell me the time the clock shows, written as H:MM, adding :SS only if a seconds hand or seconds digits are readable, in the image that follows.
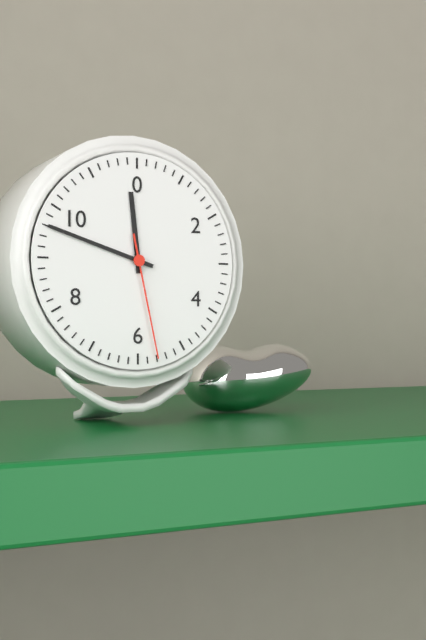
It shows 11:48:28
